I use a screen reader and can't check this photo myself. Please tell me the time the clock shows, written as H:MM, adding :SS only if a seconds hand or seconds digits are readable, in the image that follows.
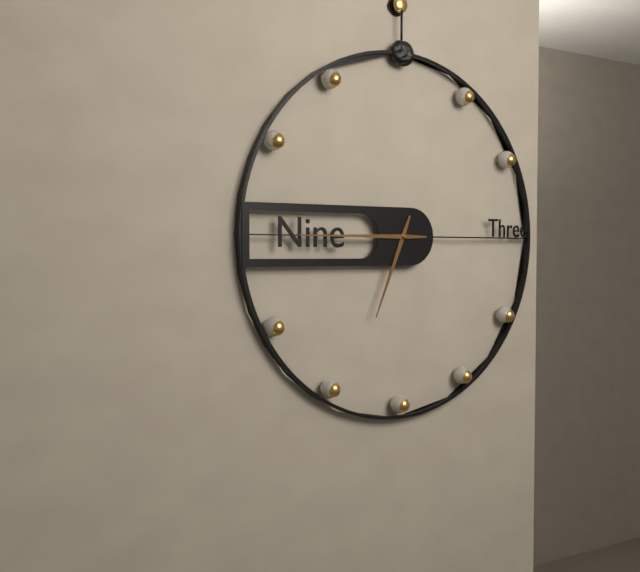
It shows 6:45
